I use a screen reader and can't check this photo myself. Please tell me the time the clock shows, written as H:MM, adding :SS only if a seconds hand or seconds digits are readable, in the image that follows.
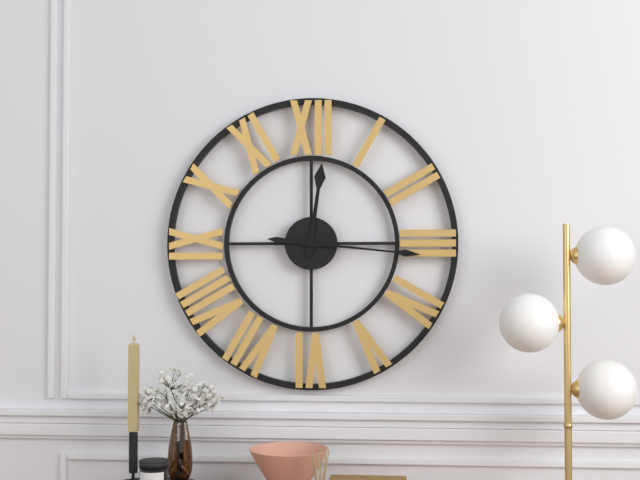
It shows 12:16
